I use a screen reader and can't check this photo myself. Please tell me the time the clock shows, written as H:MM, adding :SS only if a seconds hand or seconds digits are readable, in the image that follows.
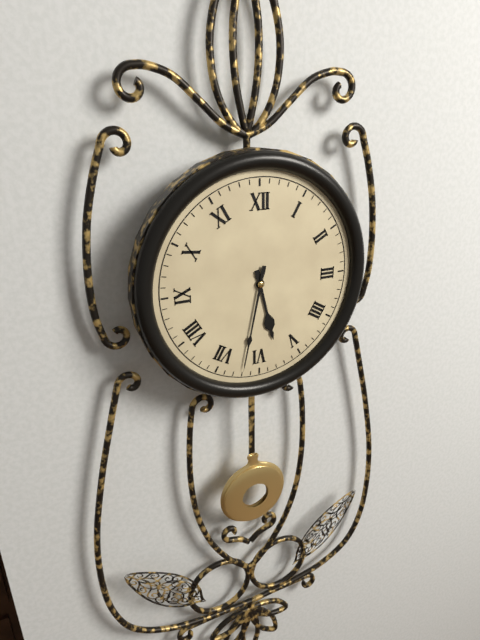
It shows 5:32
